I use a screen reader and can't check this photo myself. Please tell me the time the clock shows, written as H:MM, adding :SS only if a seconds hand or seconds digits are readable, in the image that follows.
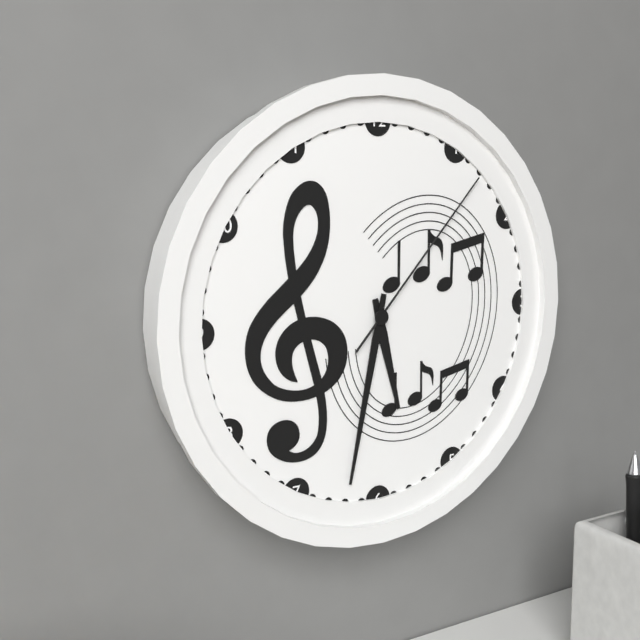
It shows 5:32:07
